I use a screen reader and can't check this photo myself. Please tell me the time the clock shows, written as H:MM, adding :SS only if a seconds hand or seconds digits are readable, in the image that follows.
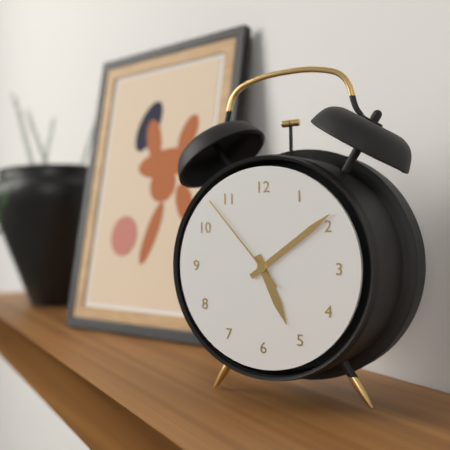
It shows 5:09:53
